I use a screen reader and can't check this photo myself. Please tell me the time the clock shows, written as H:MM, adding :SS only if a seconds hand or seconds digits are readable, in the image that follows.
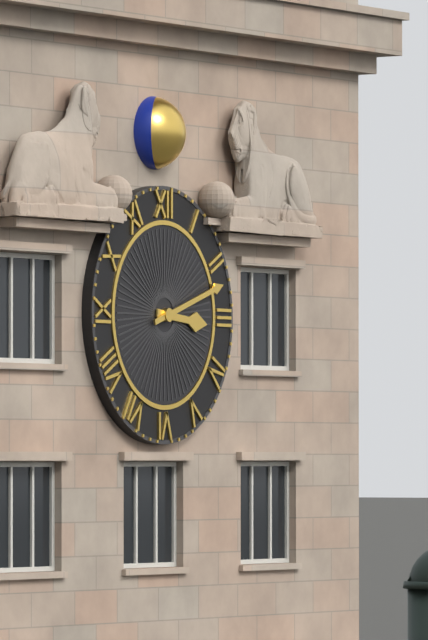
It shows 3:12
